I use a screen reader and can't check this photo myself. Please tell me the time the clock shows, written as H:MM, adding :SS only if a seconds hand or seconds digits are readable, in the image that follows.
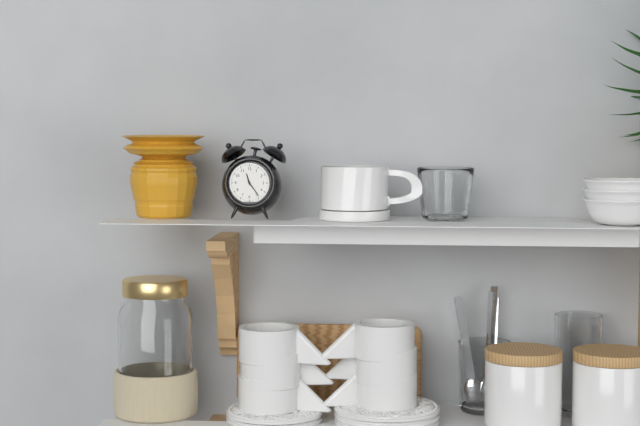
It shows 11:24
